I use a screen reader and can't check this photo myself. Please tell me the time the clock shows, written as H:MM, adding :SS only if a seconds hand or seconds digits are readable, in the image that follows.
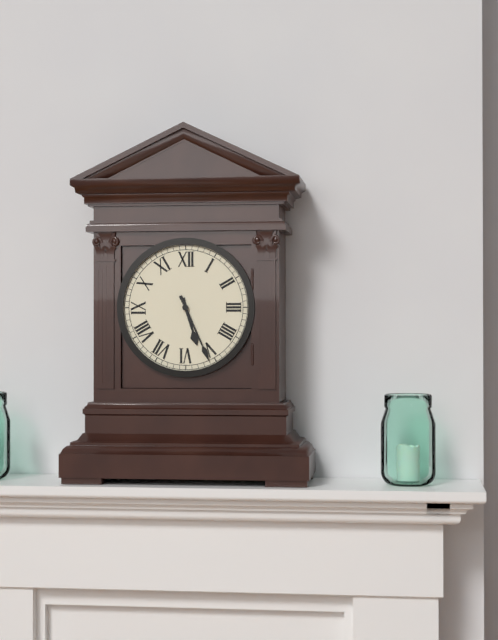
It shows 5:26
